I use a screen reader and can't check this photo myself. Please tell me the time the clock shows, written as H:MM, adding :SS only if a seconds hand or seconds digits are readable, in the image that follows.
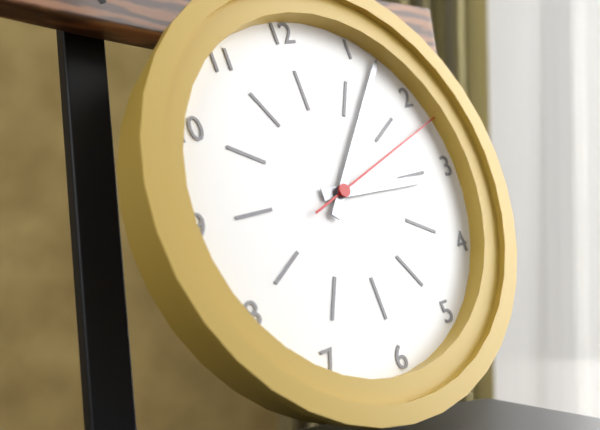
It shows 3:07:12
